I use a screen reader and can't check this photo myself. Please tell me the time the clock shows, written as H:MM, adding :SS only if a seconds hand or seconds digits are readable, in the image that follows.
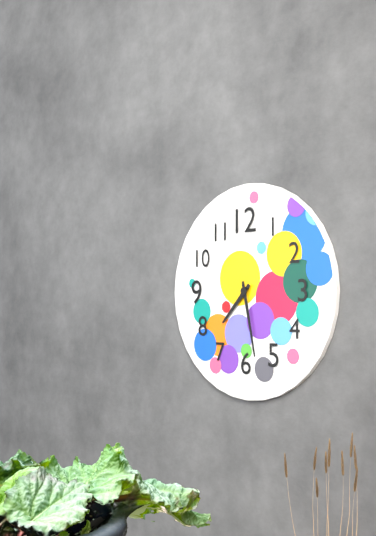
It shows 7:28
